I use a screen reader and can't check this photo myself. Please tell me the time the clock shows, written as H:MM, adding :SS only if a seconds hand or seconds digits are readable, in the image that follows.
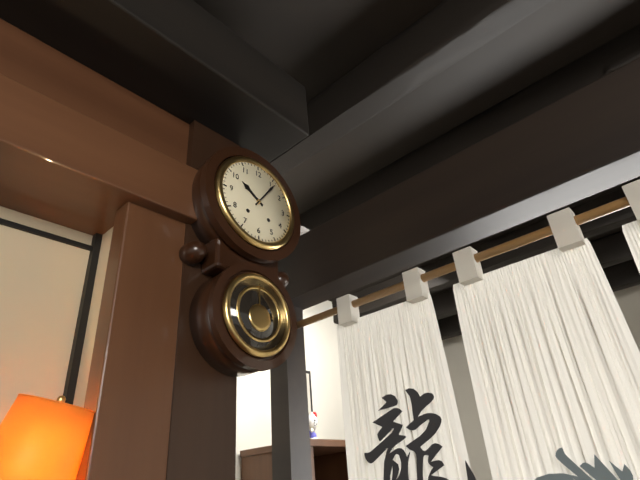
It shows 10:06
